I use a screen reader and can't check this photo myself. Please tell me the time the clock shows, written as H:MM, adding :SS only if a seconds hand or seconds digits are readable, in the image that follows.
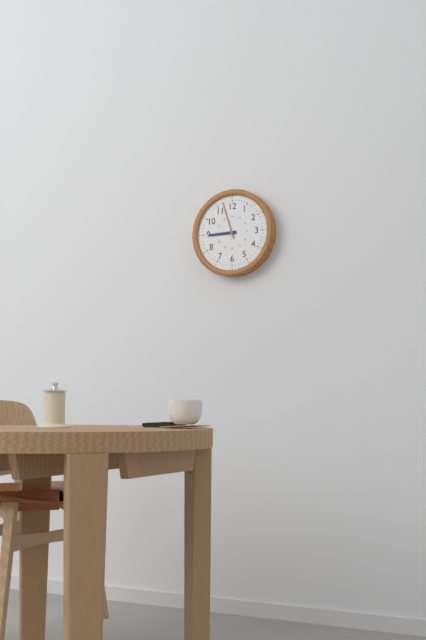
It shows 8:57
